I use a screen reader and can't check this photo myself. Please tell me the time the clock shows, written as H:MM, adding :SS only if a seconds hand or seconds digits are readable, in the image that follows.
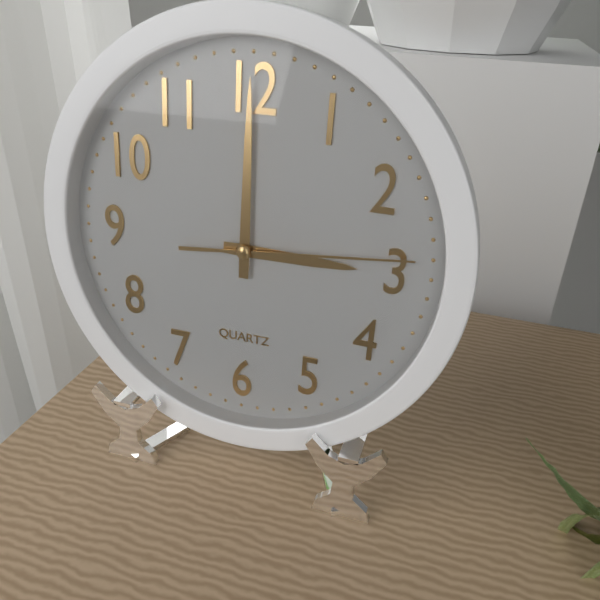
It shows 3:00:14
